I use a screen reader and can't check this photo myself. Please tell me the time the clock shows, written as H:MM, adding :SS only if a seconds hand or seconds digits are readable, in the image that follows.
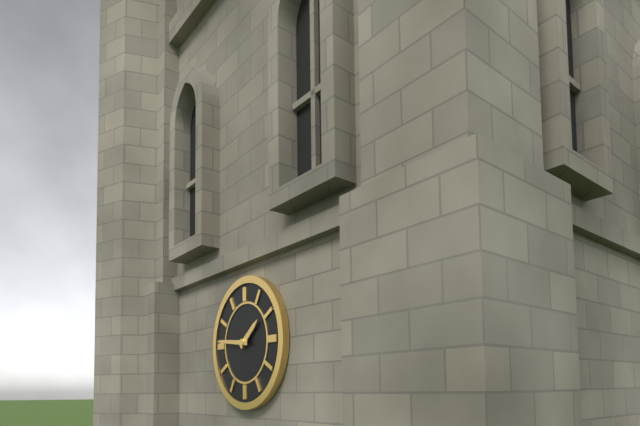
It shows 1:46
